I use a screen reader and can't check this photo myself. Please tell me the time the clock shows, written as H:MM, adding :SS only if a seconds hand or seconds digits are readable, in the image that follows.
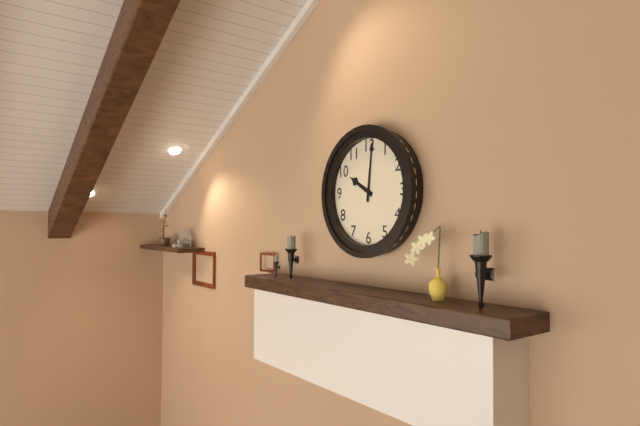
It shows 10:01
